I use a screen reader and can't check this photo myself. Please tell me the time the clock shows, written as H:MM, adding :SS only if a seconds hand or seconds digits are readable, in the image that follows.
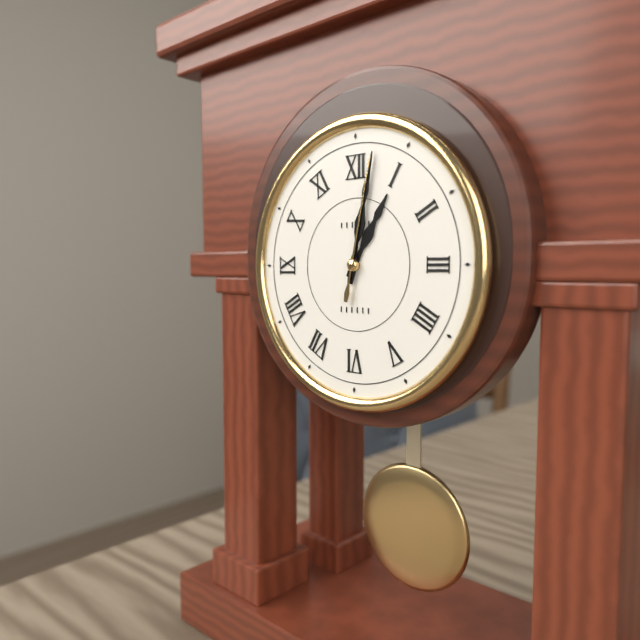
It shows 1:02:02
